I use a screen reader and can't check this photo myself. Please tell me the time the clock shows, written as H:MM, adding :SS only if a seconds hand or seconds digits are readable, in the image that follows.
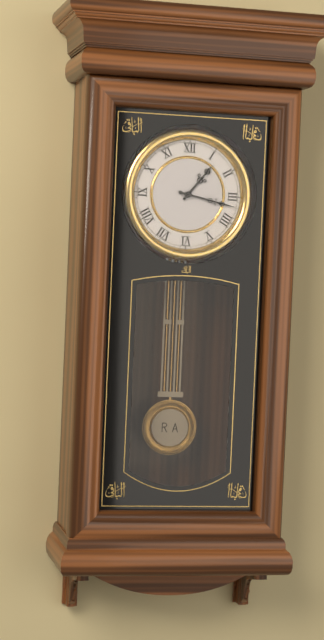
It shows 1:17
